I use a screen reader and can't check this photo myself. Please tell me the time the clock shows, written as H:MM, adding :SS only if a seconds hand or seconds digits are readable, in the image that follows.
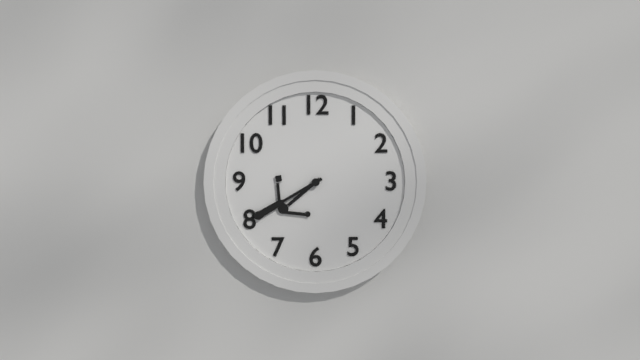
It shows 7:40
